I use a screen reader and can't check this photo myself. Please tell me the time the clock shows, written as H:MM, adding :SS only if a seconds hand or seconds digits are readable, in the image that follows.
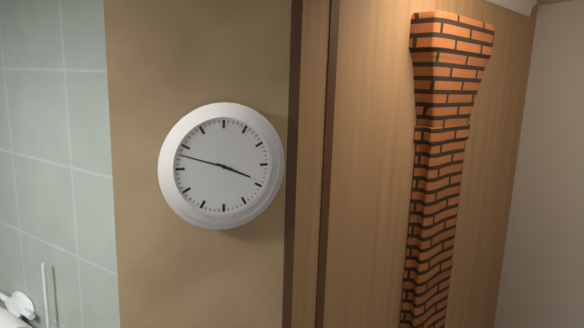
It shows 3:48
